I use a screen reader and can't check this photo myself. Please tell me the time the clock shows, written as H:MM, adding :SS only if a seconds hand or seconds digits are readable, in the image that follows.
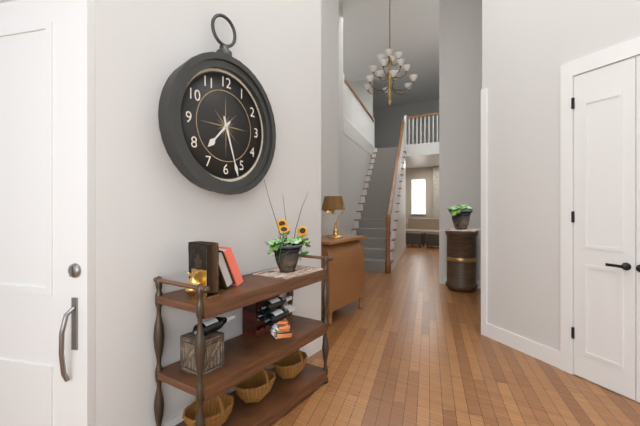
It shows 7:27
